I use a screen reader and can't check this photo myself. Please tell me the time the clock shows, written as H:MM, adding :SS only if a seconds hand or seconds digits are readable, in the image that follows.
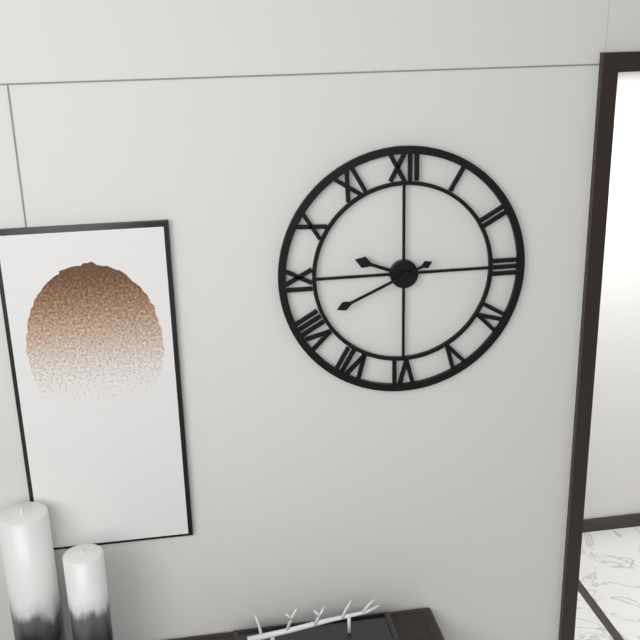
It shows 9:41
